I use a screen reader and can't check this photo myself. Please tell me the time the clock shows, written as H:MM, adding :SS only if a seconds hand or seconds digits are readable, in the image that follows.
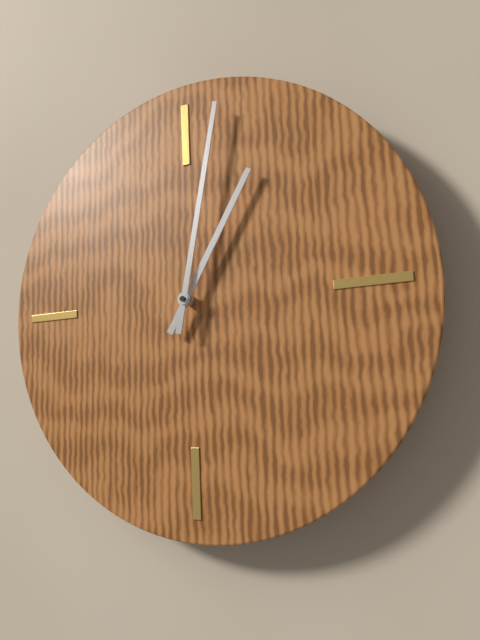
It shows 1:02
